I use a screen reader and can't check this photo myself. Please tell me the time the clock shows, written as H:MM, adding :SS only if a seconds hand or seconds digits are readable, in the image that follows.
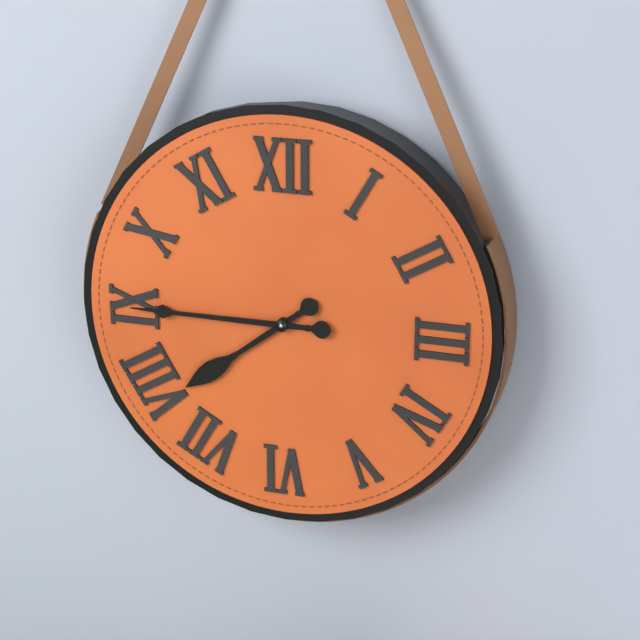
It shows 7:45
